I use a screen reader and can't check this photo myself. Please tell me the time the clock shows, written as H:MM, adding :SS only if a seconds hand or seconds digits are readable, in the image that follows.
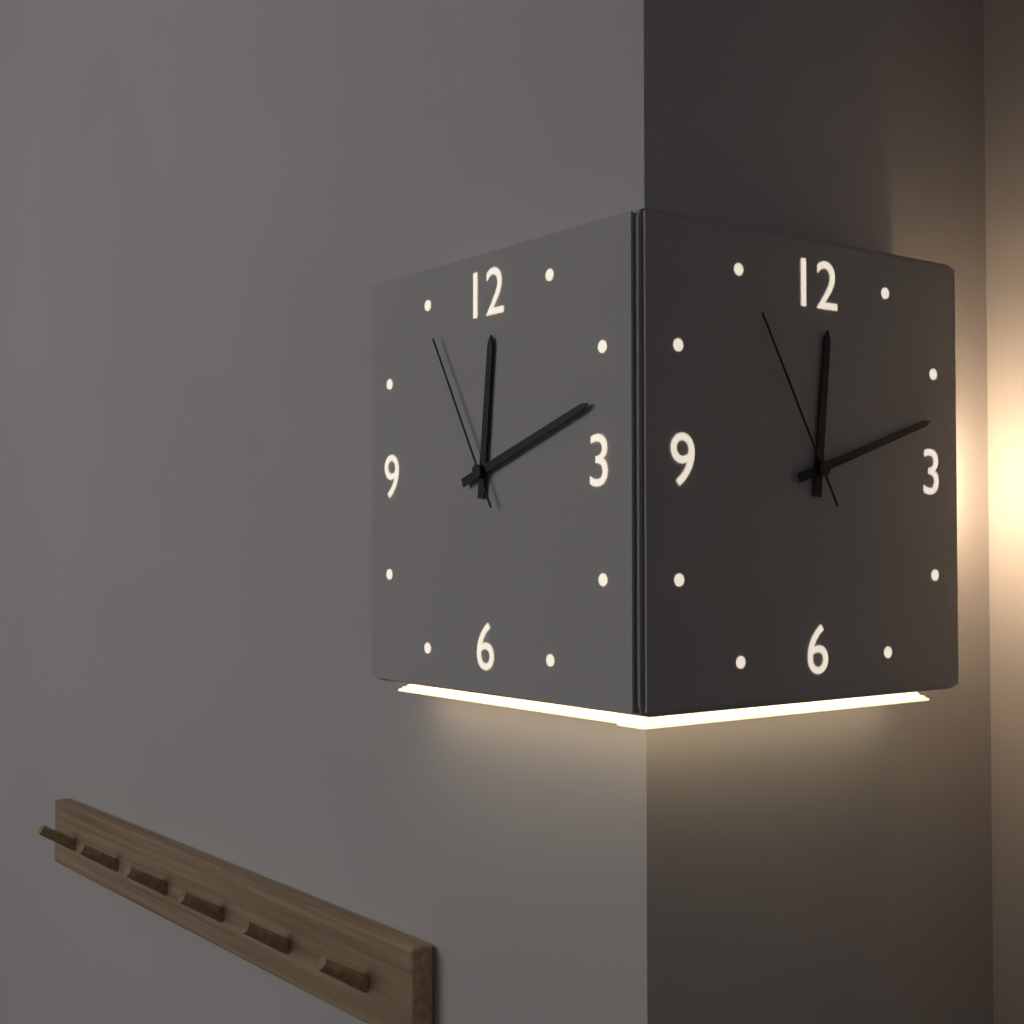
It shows 12:12:55
